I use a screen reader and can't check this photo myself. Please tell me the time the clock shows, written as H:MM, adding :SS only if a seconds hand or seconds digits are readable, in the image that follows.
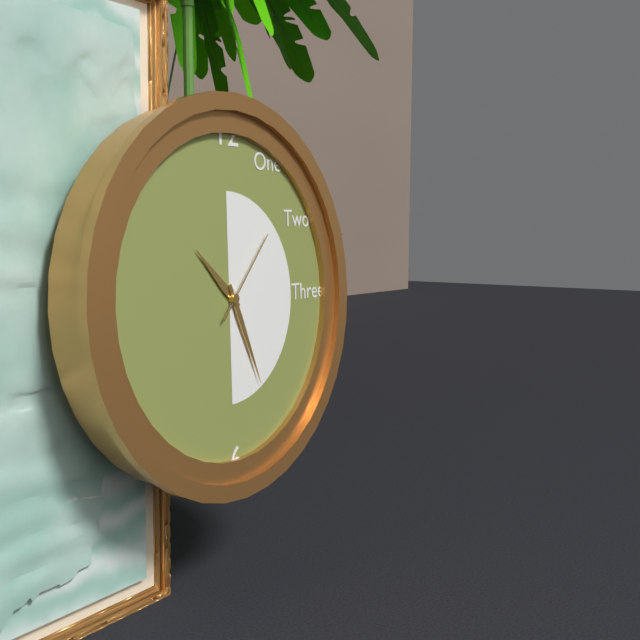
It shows 10:26:07
